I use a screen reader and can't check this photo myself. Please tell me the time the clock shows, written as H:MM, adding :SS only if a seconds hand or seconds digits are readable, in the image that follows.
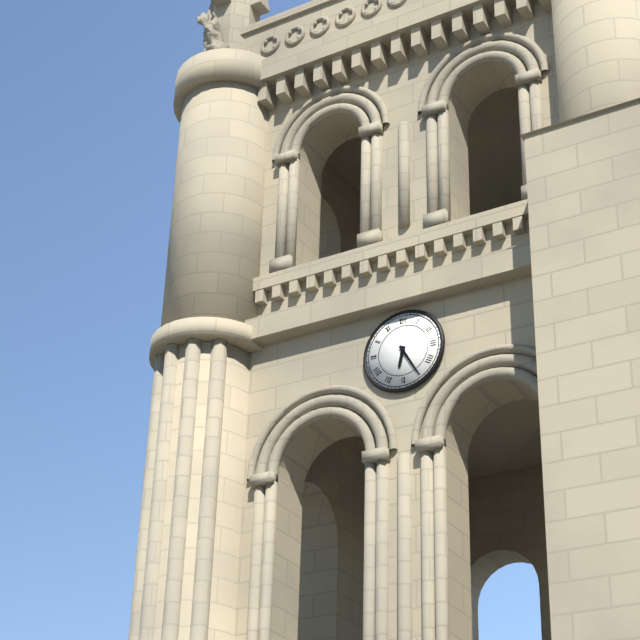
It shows 6:25
